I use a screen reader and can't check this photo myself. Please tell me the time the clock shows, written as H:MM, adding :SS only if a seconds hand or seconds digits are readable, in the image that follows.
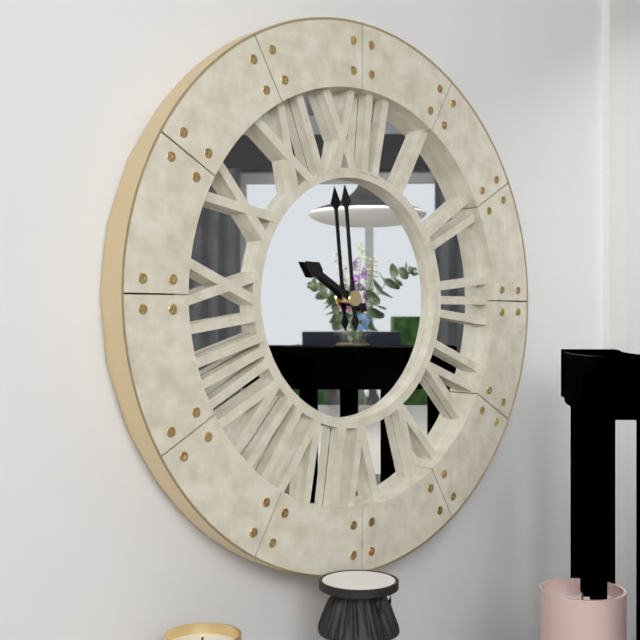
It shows 9:59
